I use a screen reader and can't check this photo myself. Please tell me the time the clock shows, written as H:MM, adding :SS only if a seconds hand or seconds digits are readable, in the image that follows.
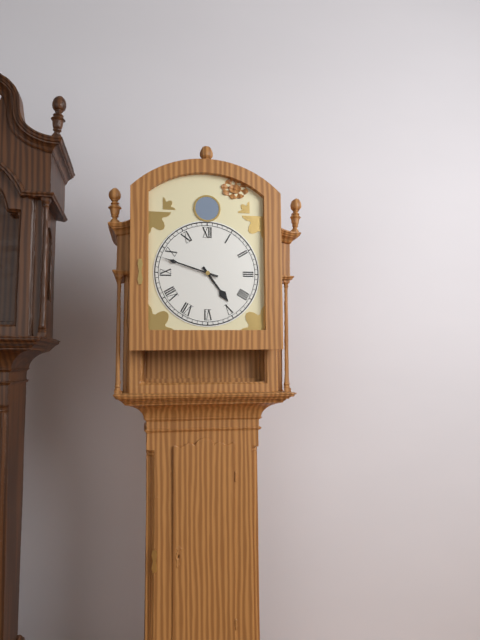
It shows 4:48
